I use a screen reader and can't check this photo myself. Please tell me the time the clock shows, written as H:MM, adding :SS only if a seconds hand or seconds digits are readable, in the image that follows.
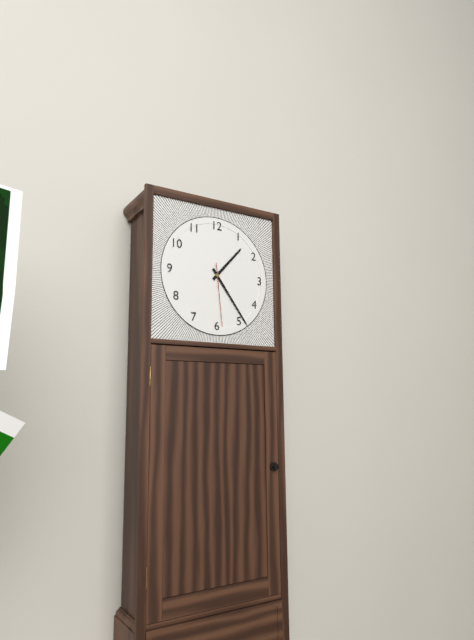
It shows 1:24:29
